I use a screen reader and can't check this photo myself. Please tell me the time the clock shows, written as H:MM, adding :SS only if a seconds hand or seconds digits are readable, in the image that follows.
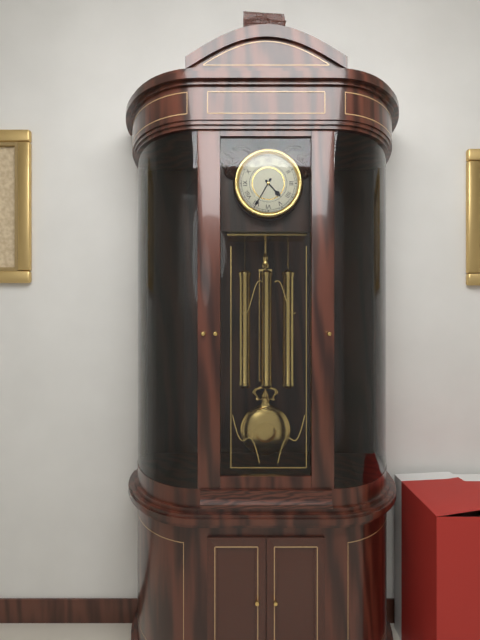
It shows 4:35
